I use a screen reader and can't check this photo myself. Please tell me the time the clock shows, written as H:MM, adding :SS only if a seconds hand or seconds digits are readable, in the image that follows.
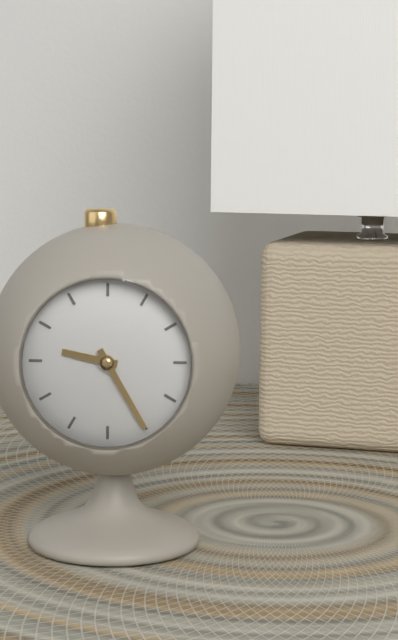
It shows 9:25
